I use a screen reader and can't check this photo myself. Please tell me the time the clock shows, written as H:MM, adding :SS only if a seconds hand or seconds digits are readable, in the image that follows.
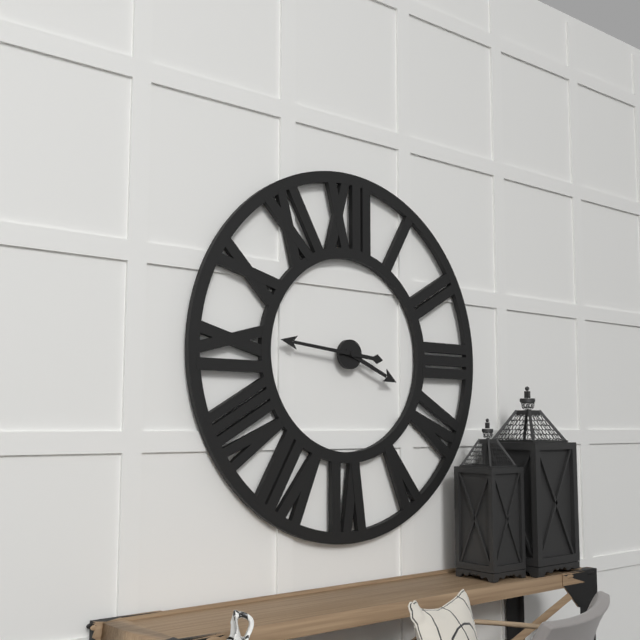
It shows 3:46
